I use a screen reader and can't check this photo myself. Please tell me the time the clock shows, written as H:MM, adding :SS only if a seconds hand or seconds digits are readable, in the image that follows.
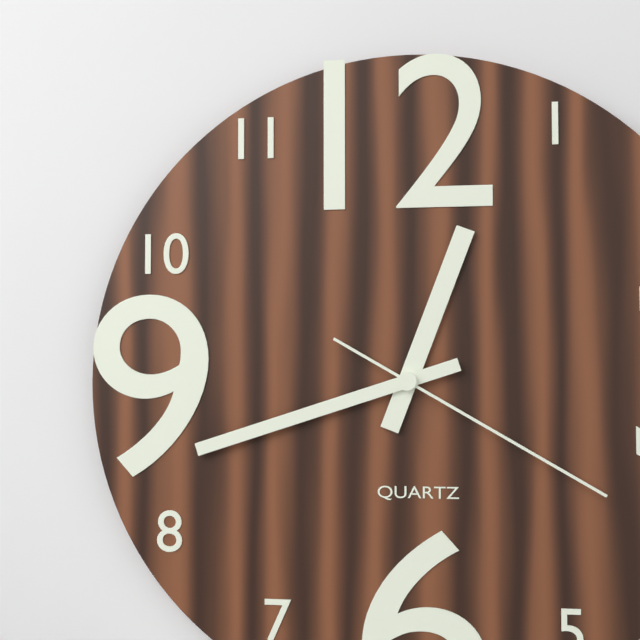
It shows 12:42:20
